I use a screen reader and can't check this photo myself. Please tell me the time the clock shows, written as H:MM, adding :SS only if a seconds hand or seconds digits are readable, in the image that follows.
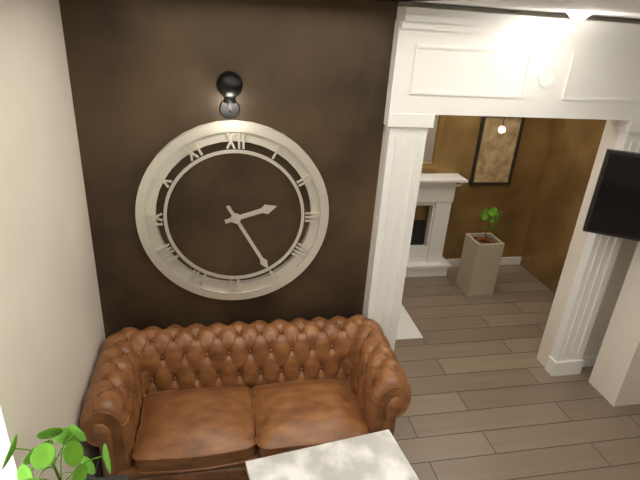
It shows 2:25
